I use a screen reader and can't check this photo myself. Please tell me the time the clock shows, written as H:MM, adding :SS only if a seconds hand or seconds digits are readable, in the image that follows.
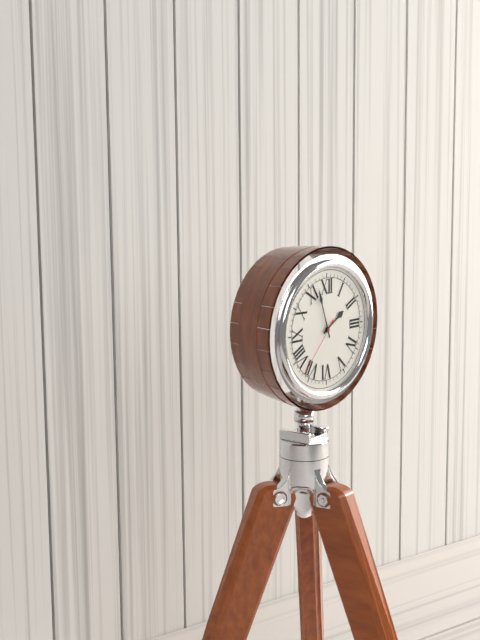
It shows 1:57:37
